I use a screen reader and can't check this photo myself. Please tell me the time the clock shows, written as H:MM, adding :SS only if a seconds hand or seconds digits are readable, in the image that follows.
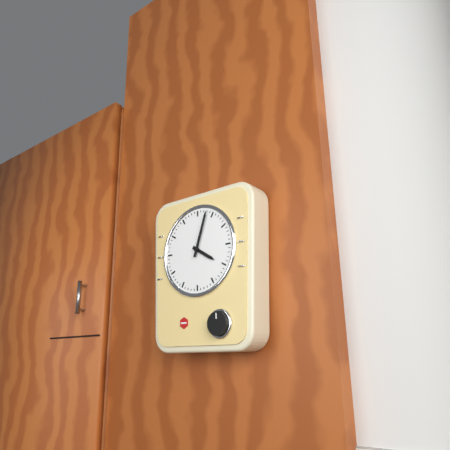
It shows 4:03
